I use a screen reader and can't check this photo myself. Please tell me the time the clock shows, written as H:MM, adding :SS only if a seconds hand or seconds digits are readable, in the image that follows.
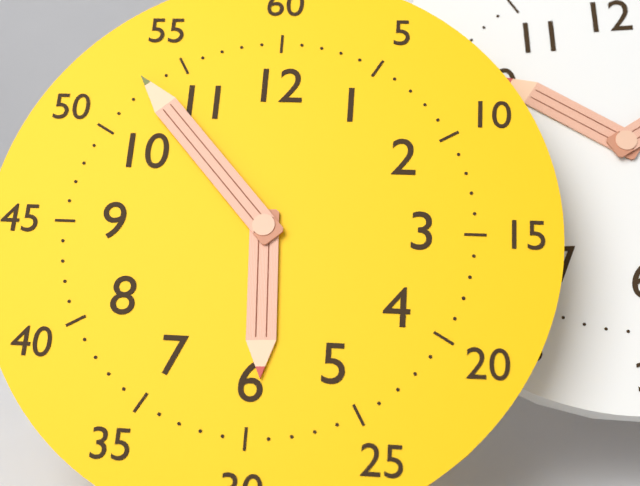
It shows 5:53
